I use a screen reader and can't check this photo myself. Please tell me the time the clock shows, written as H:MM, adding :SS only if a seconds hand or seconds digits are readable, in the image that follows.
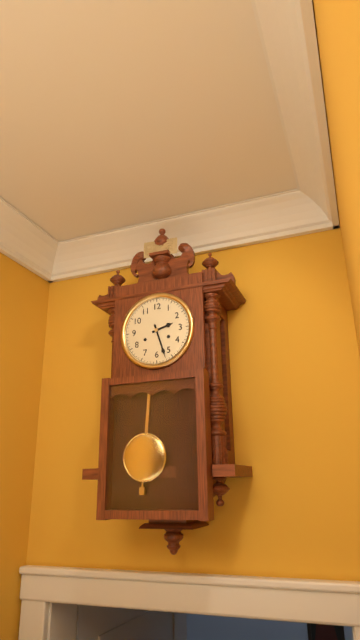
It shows 2:27
